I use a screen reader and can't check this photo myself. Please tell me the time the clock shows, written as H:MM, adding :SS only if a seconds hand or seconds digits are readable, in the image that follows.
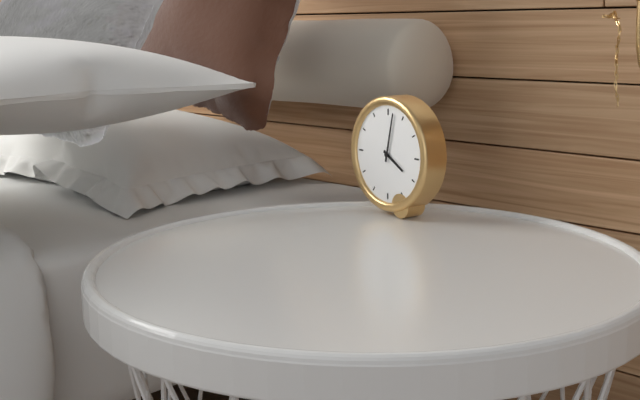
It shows 4:02
